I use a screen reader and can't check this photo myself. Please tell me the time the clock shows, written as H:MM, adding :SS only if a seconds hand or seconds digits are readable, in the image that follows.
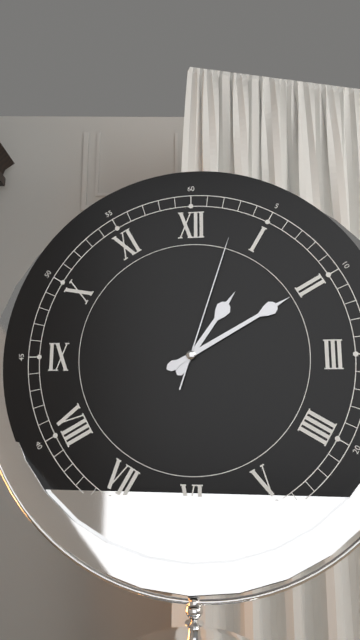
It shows 1:10:03
